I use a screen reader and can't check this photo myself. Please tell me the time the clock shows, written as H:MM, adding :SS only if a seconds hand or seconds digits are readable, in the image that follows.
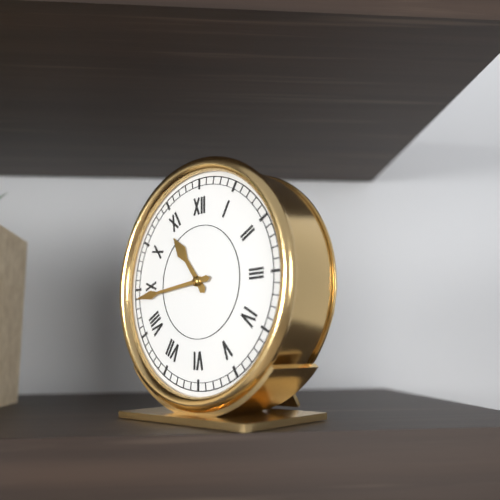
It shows 10:44
